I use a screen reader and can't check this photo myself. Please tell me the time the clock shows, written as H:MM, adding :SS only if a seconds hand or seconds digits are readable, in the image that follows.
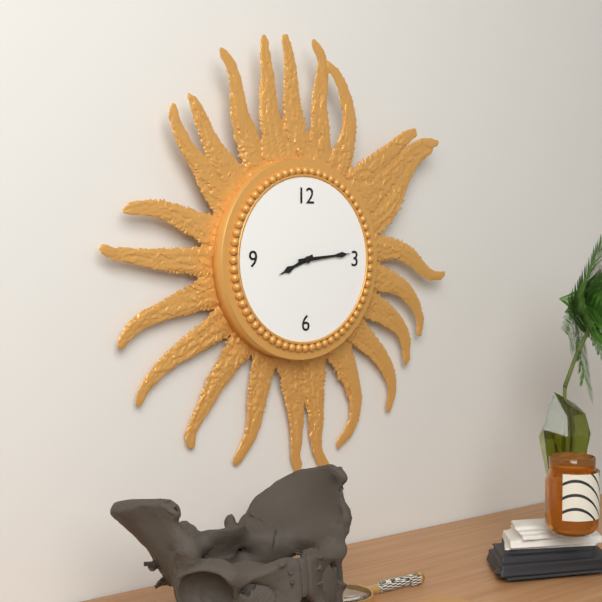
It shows 8:14
